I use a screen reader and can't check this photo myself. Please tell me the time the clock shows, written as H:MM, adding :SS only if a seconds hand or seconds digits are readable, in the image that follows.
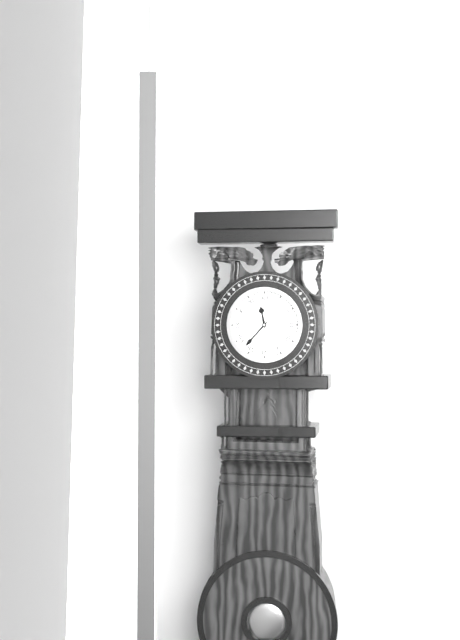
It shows 11:37
